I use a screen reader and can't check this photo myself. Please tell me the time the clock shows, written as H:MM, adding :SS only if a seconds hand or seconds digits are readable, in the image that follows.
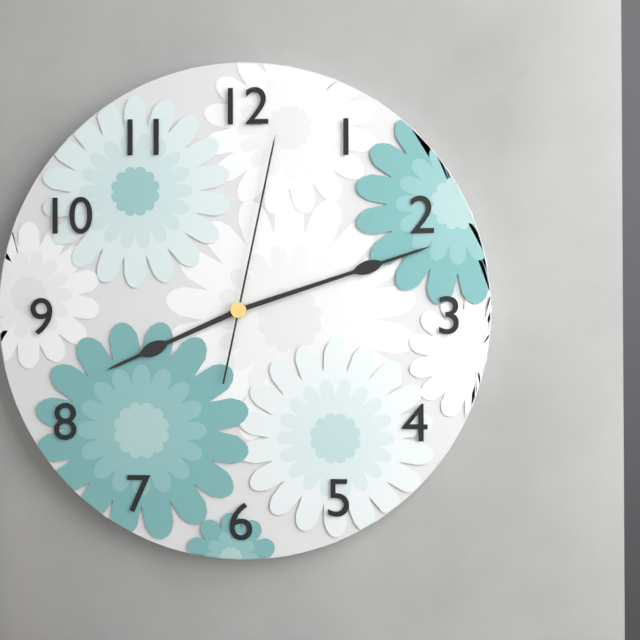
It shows 8:12:02
